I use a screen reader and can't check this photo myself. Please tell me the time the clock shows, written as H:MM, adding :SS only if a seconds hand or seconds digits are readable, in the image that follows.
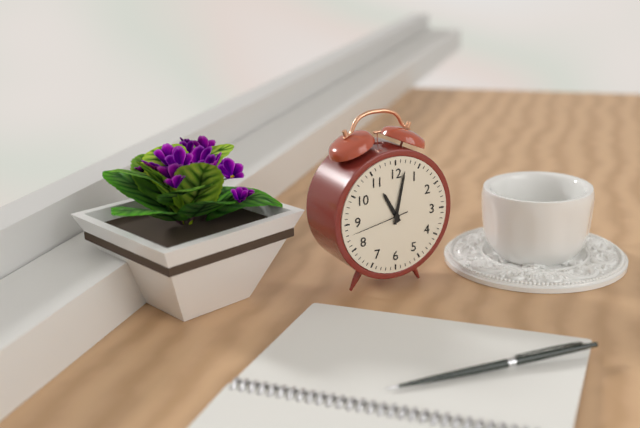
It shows 11:02:43
